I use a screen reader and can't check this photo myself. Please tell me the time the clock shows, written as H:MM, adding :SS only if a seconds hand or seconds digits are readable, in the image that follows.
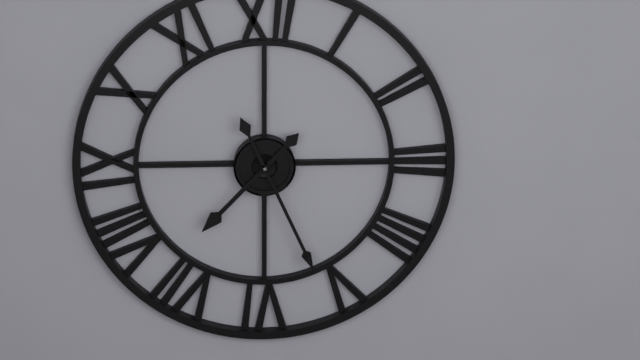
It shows 7:26
